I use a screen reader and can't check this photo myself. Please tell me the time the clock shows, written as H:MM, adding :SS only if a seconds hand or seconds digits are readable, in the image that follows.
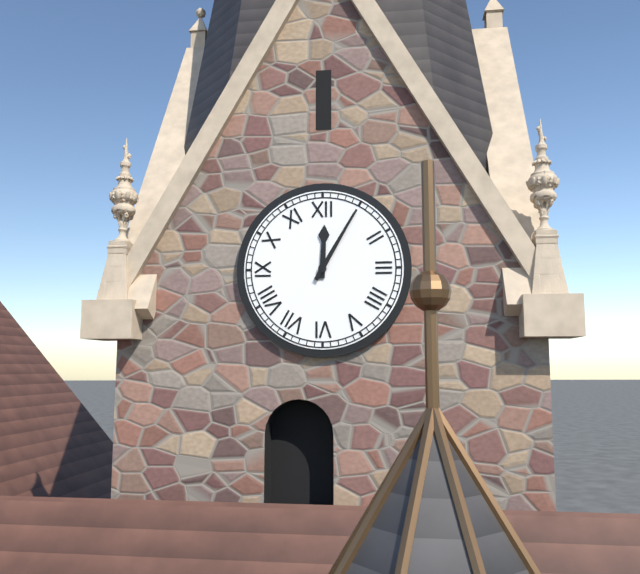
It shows 12:05
